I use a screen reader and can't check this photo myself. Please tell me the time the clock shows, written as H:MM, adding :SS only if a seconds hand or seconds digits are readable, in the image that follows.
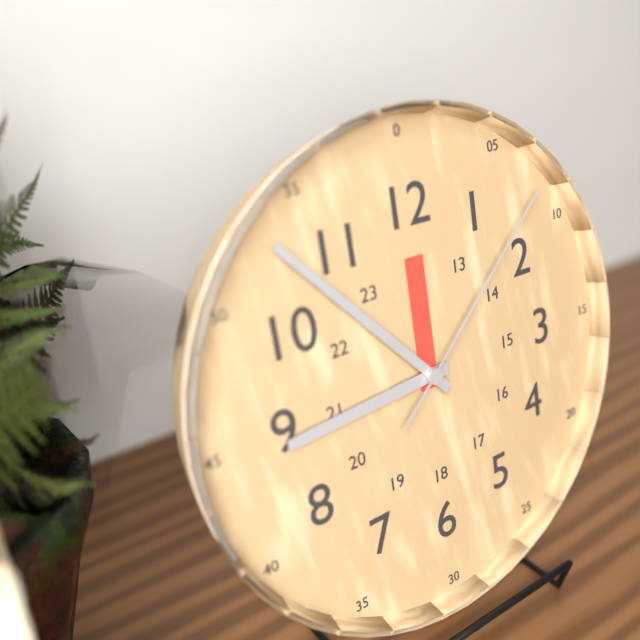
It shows 8:53:08
